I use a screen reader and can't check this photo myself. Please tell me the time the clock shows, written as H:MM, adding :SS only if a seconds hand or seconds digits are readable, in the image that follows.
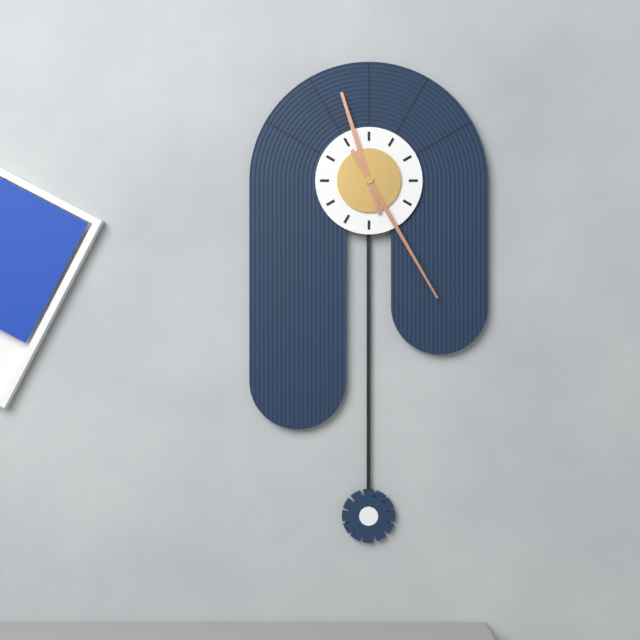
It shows 11:25
